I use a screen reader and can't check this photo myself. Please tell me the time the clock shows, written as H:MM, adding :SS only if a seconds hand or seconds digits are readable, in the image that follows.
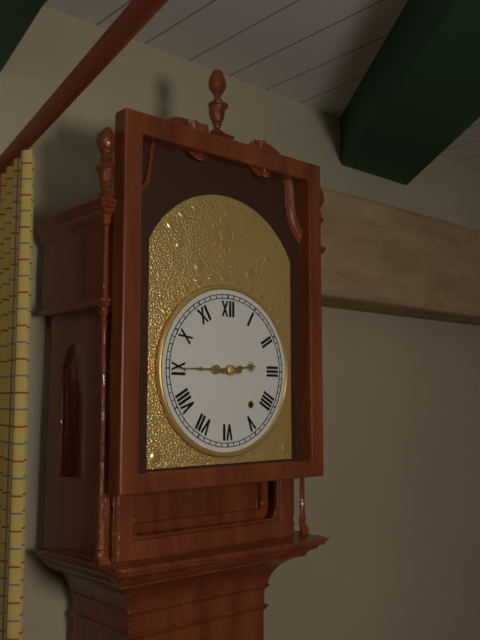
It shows 2:45
